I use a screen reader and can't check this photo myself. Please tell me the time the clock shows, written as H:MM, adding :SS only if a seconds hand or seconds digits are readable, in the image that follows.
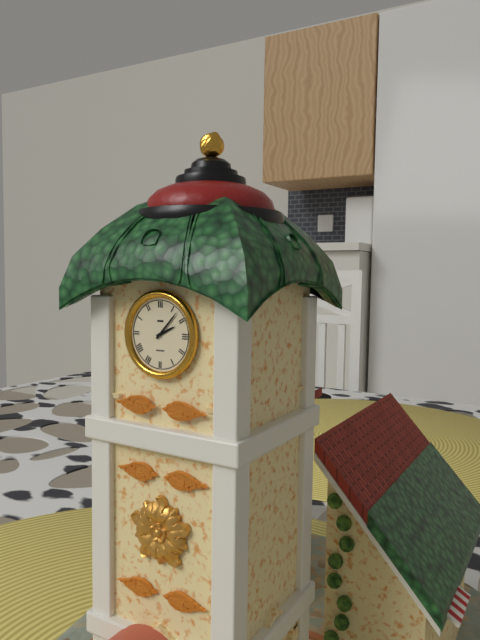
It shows 2:07
